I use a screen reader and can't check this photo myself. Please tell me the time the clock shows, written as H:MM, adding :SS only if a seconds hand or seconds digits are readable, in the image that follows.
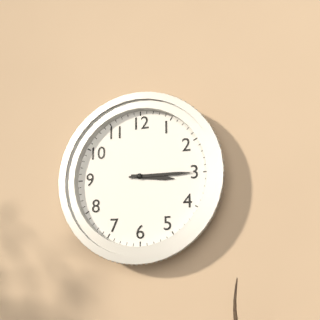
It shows 3:15
